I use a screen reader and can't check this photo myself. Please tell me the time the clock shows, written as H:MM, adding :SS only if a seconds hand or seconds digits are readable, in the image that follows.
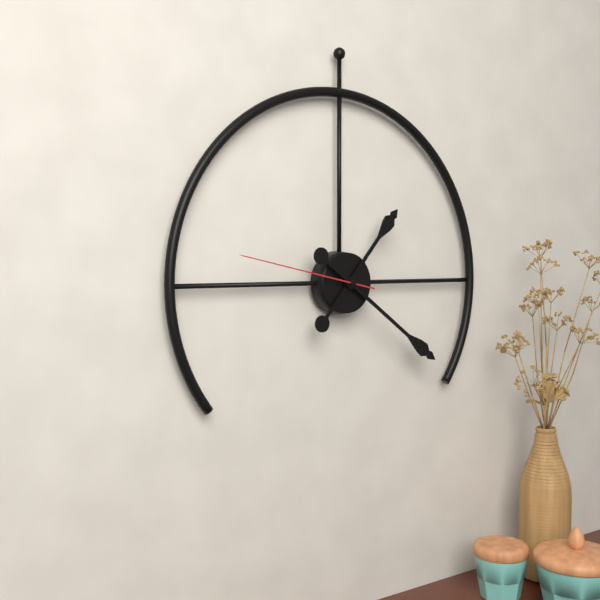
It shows 1:21:47
